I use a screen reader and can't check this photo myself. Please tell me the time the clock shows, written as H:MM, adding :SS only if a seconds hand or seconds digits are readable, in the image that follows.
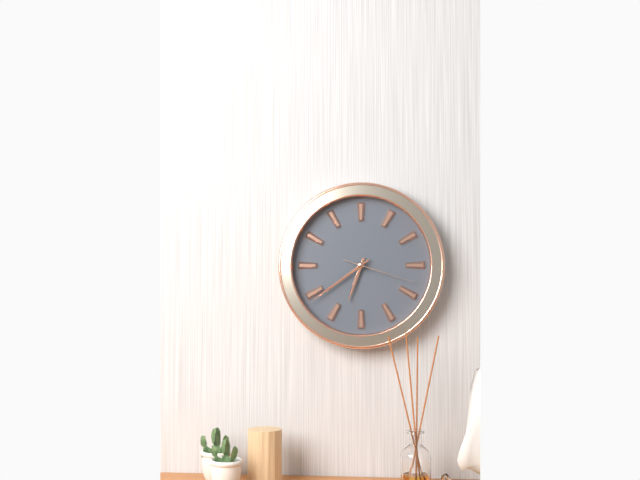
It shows 6:39:18
